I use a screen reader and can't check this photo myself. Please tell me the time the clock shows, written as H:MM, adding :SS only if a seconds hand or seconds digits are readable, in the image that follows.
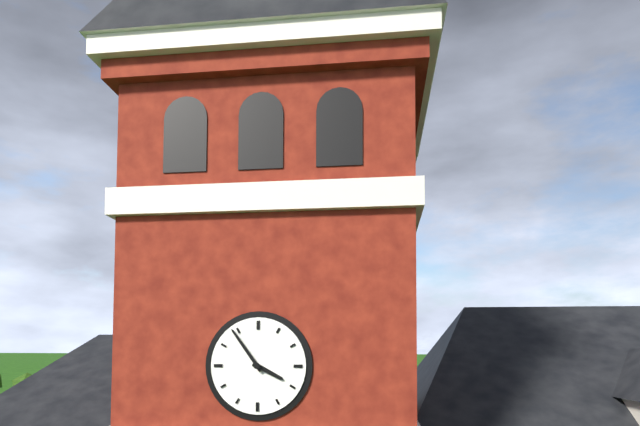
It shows 3:54
